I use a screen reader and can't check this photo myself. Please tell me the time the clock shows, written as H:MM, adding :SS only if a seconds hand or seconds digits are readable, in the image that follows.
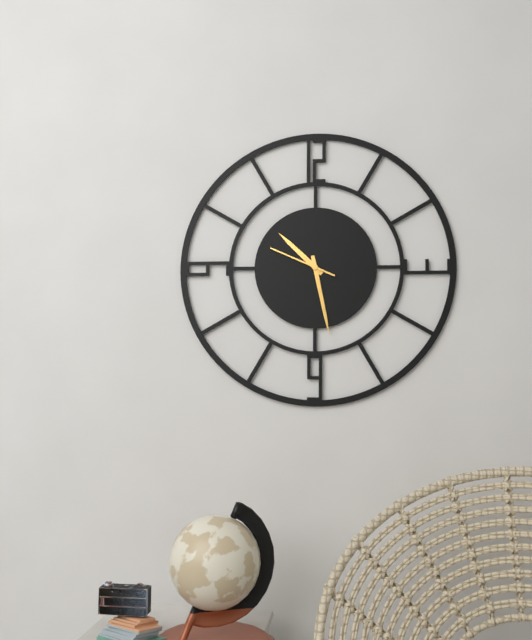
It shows 10:28:49
